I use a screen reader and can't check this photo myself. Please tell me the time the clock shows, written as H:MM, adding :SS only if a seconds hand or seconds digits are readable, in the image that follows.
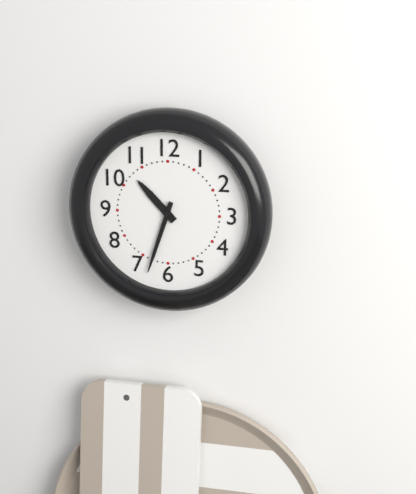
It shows 10:33
